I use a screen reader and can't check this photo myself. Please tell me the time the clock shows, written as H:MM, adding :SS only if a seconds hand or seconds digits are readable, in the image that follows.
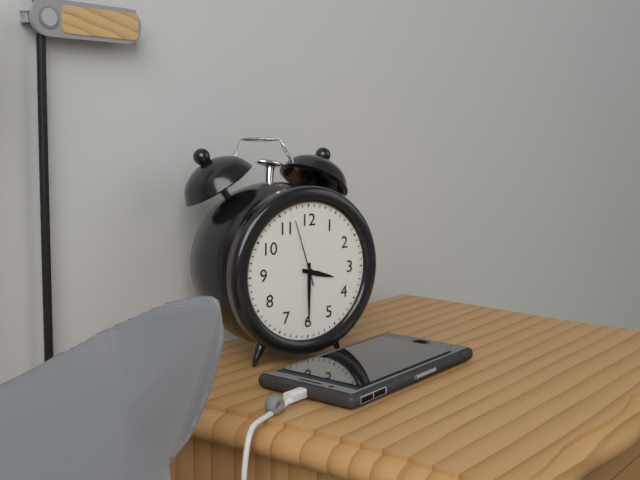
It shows 3:30:57
